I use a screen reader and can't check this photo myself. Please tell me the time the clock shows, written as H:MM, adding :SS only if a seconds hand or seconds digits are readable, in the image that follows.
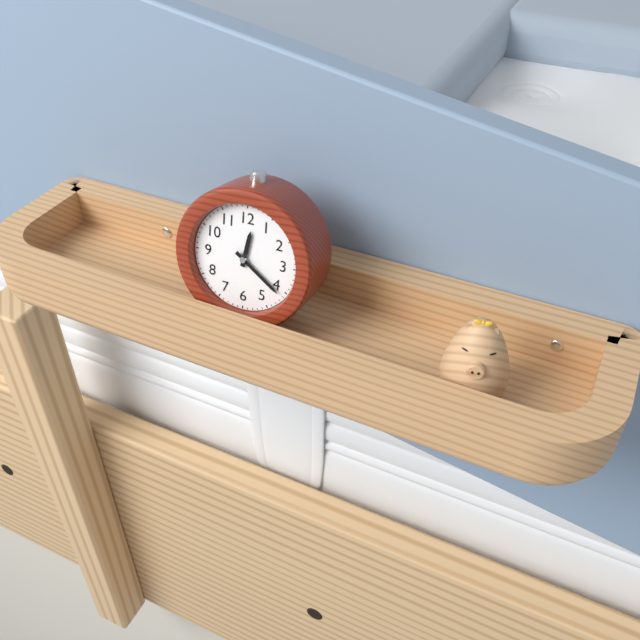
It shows 12:21
